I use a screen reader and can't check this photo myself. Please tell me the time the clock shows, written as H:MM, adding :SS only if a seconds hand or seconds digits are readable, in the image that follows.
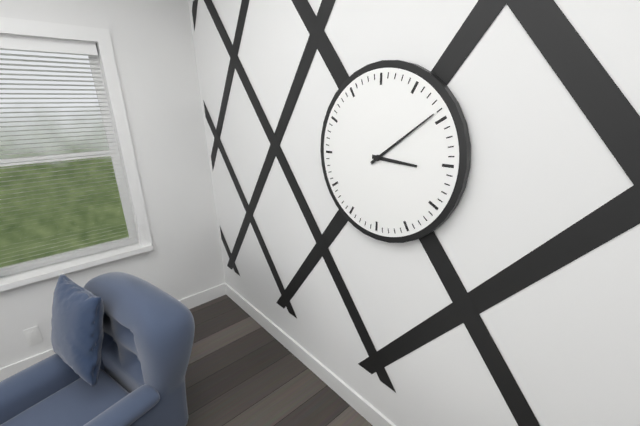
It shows 3:09
